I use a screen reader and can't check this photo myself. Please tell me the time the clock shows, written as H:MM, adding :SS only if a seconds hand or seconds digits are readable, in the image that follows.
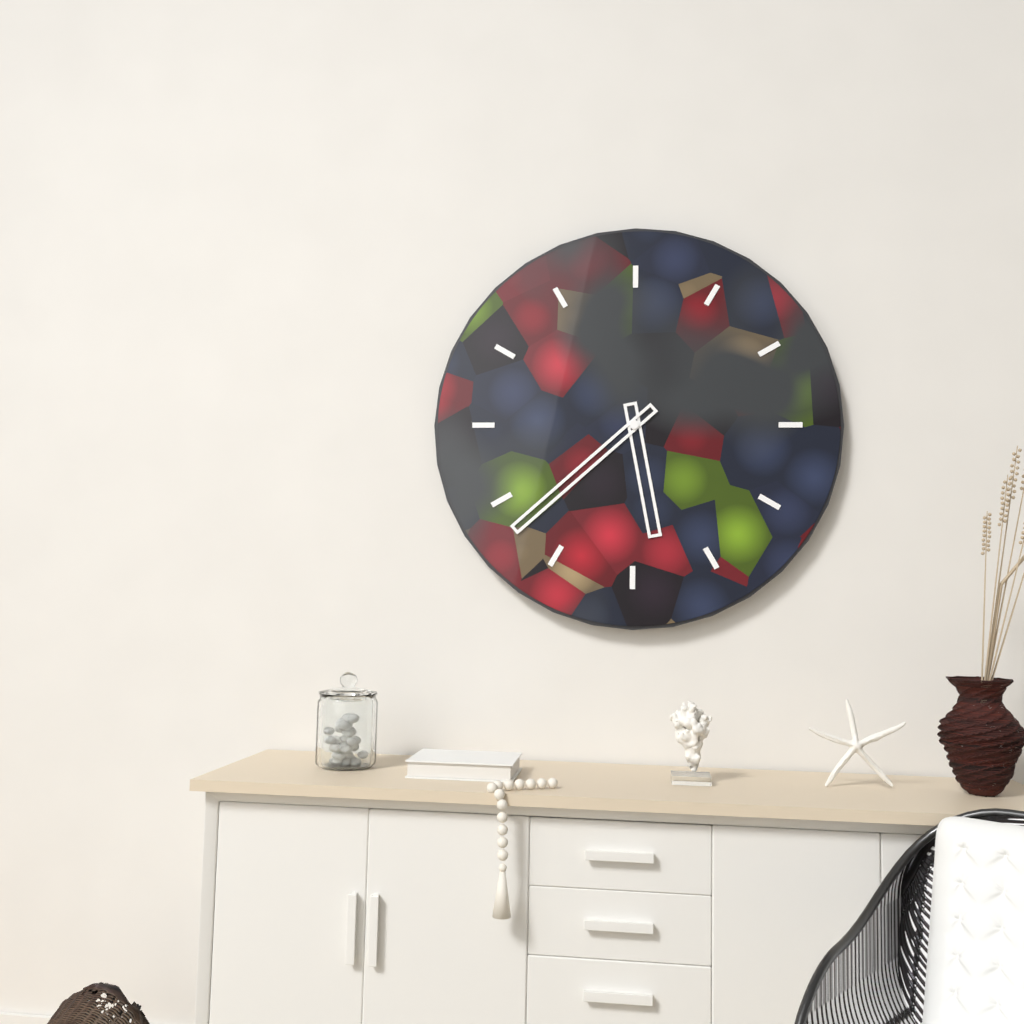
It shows 5:38
